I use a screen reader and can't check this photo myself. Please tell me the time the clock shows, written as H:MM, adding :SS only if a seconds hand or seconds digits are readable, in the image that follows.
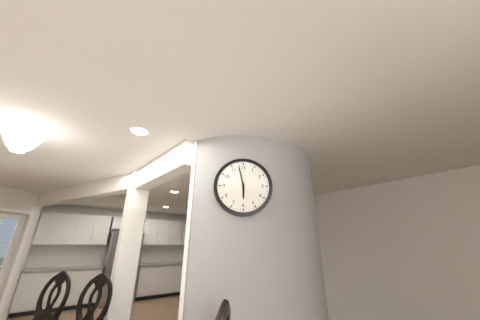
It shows 5:58
